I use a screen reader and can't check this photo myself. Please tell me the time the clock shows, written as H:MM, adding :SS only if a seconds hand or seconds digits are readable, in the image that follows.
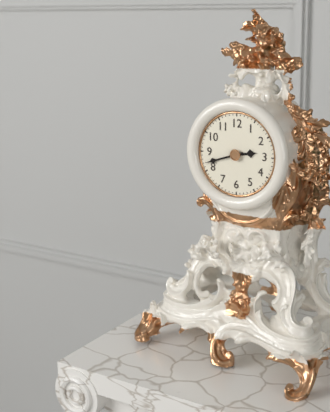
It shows 2:42
